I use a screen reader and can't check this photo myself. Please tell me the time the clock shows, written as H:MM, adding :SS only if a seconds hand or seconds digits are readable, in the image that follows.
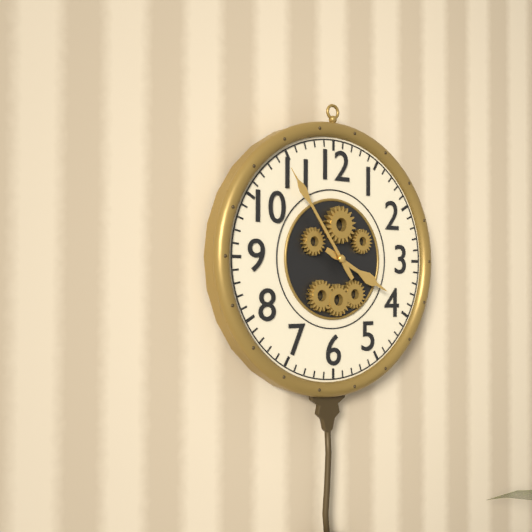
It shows 3:54
